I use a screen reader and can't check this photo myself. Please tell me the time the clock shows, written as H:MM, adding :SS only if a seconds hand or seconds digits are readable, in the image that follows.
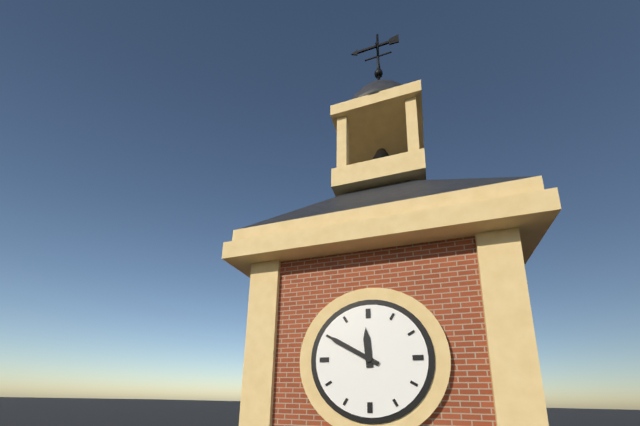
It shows 11:50
